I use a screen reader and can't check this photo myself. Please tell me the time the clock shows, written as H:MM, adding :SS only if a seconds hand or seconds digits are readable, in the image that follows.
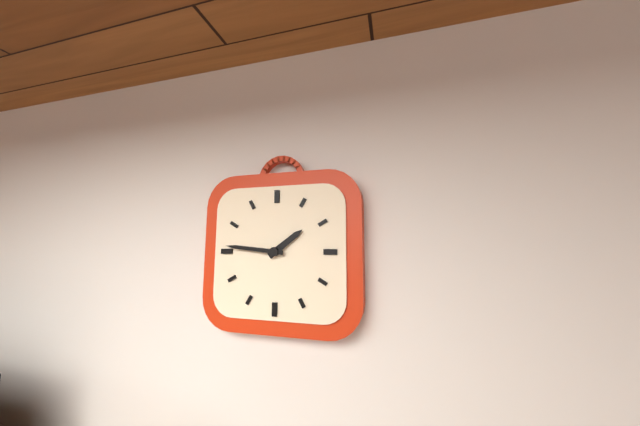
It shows 1:46
